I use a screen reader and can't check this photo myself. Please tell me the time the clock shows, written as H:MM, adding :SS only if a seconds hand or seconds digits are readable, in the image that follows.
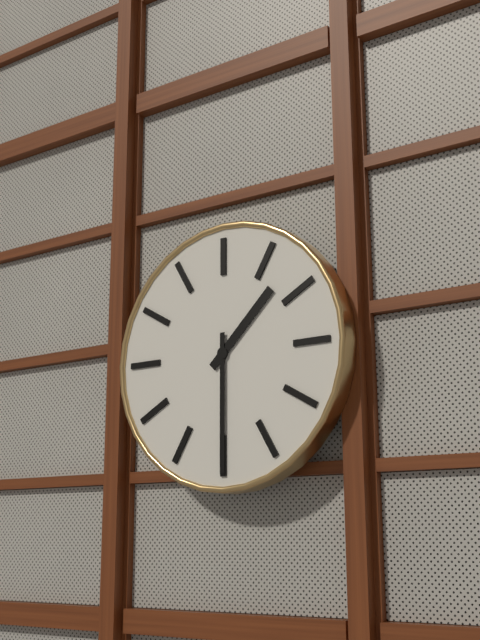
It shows 1:30
